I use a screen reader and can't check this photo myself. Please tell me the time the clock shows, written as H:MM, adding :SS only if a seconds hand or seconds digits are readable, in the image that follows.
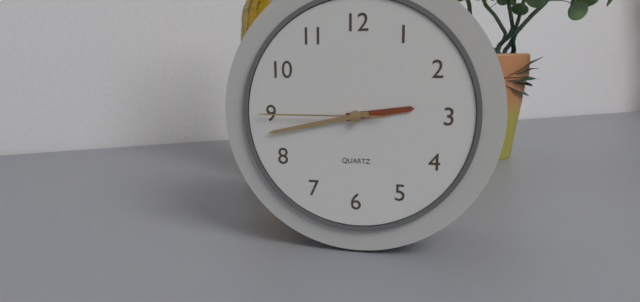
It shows 2:43:45
